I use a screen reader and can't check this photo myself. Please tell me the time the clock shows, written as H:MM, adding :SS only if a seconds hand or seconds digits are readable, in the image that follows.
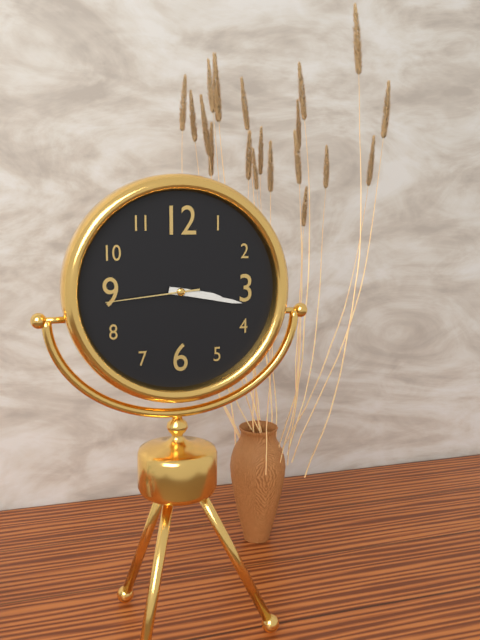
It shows 3:17:44
